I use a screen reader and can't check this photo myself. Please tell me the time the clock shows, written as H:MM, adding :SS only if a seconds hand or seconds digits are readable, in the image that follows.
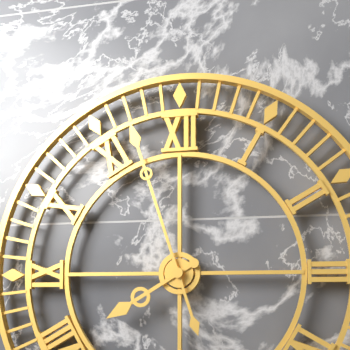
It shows 7:57
